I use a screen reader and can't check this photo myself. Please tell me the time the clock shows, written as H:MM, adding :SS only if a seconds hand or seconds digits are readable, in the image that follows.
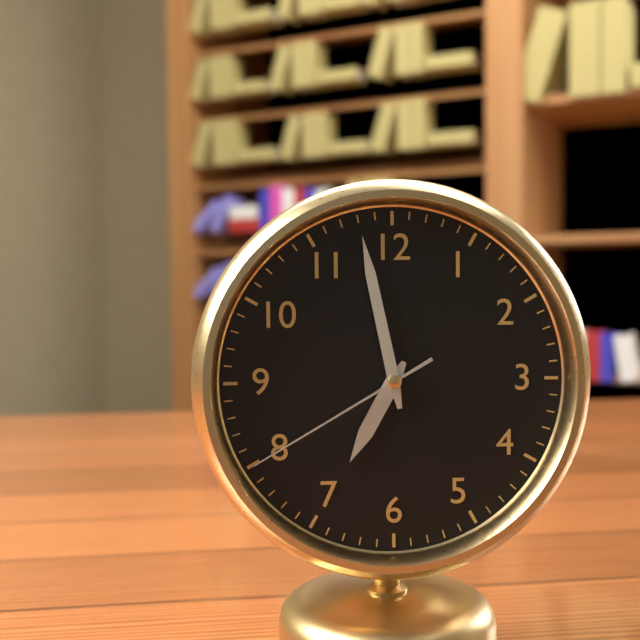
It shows 6:58:40
